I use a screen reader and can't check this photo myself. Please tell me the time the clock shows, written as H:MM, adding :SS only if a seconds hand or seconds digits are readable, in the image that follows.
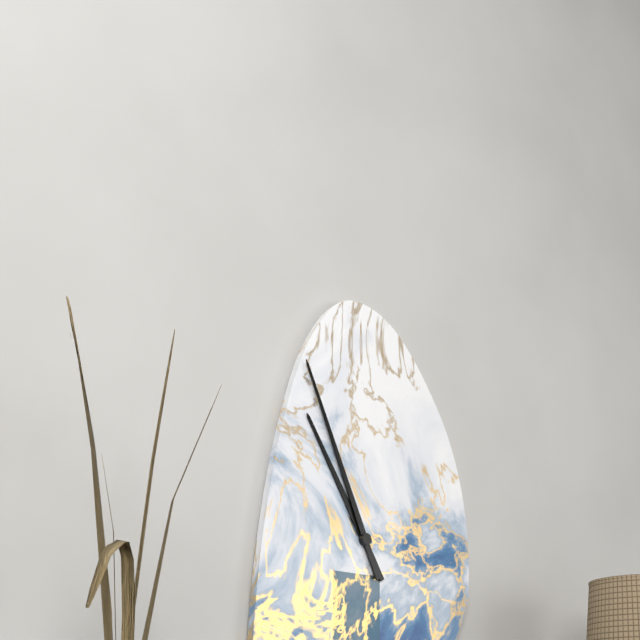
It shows 10:56
